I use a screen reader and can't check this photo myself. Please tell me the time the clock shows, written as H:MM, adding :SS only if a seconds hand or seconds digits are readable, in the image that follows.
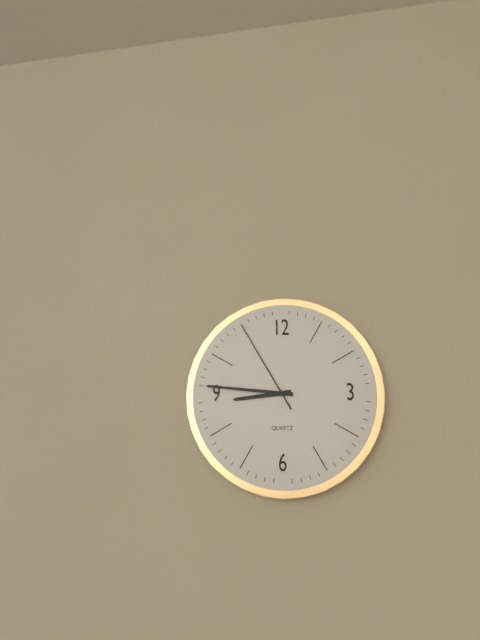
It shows 8:46:55
